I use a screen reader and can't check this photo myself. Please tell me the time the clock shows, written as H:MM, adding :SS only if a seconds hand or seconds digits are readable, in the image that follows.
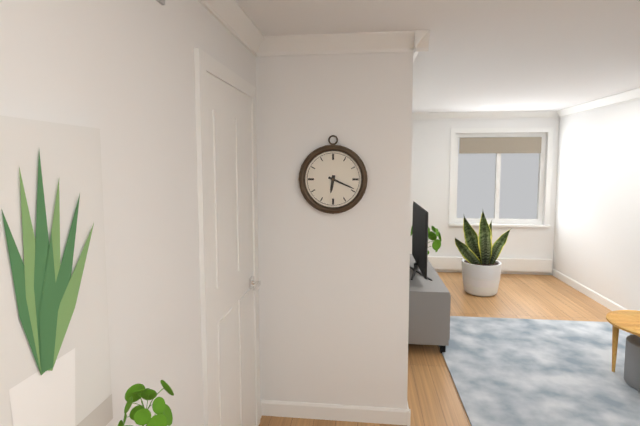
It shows 6:19
